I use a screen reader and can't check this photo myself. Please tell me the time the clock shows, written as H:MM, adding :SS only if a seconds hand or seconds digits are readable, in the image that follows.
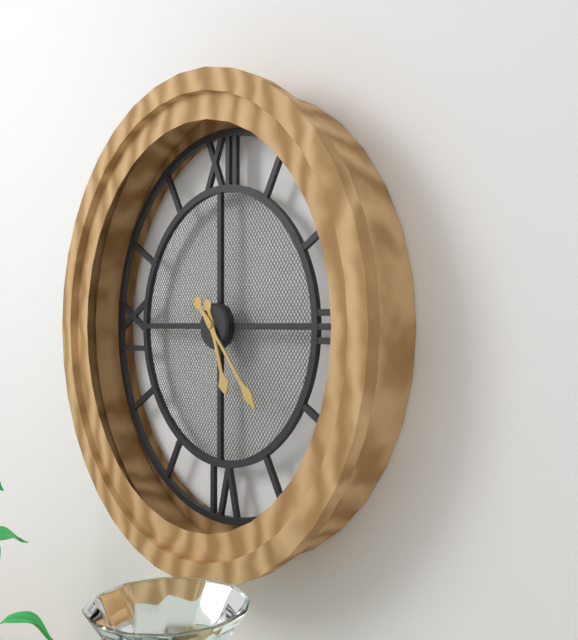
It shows 5:23
